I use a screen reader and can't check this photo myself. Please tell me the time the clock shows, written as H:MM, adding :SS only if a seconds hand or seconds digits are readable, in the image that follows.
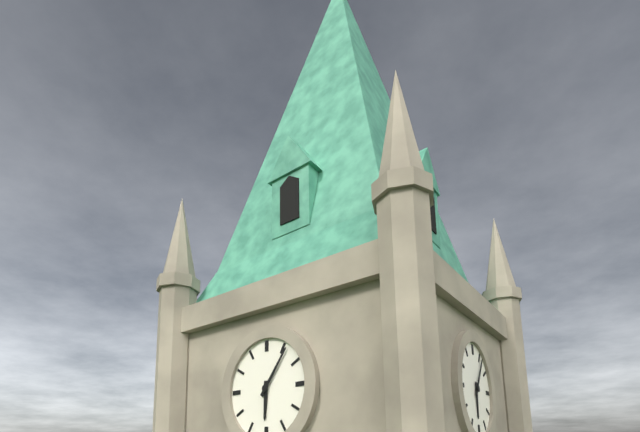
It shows 6:06
